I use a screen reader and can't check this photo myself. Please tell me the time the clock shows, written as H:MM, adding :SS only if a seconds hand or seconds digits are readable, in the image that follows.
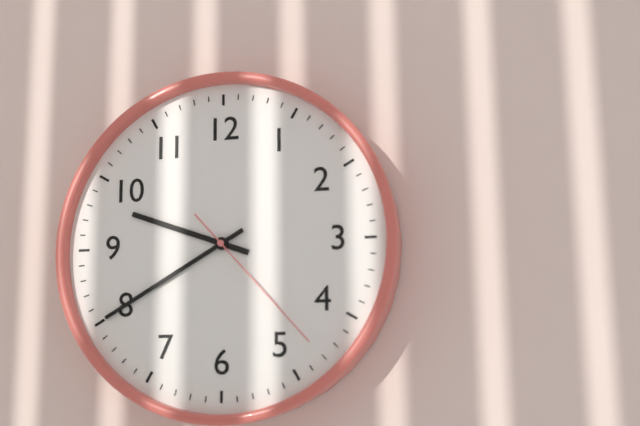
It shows 9:40:23
